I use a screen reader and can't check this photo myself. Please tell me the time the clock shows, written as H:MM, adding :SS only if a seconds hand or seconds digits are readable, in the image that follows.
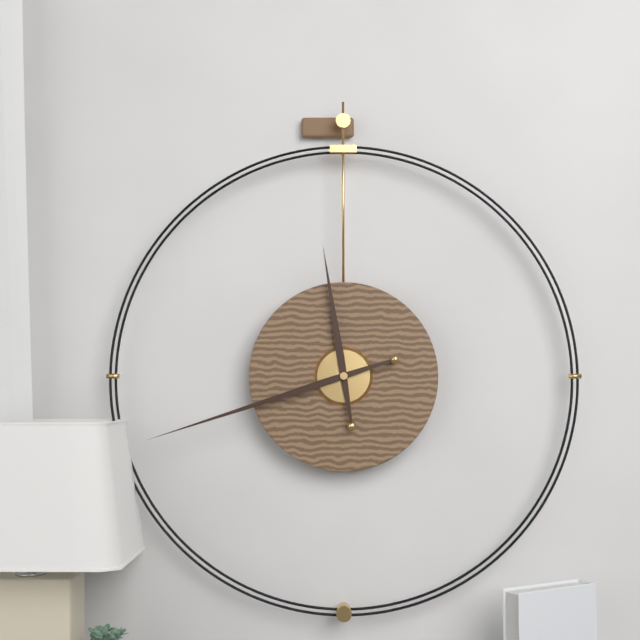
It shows 11:42
